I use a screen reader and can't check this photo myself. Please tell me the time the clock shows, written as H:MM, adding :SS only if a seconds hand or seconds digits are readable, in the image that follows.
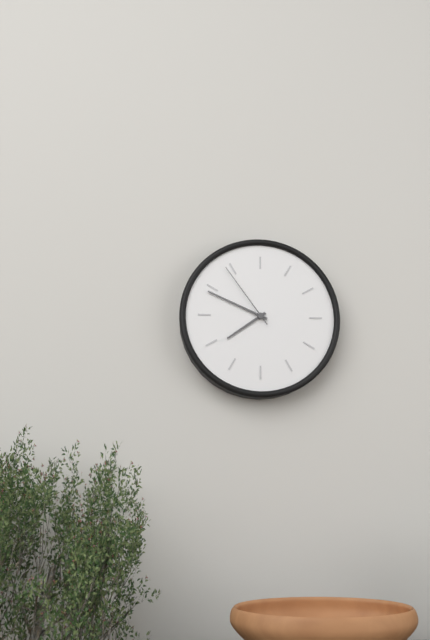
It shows 7:49:54
